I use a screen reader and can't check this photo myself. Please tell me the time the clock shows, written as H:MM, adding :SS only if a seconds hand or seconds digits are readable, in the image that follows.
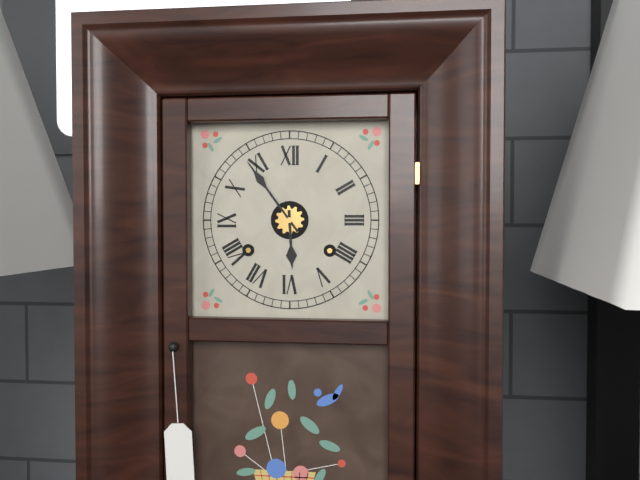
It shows 5:54
